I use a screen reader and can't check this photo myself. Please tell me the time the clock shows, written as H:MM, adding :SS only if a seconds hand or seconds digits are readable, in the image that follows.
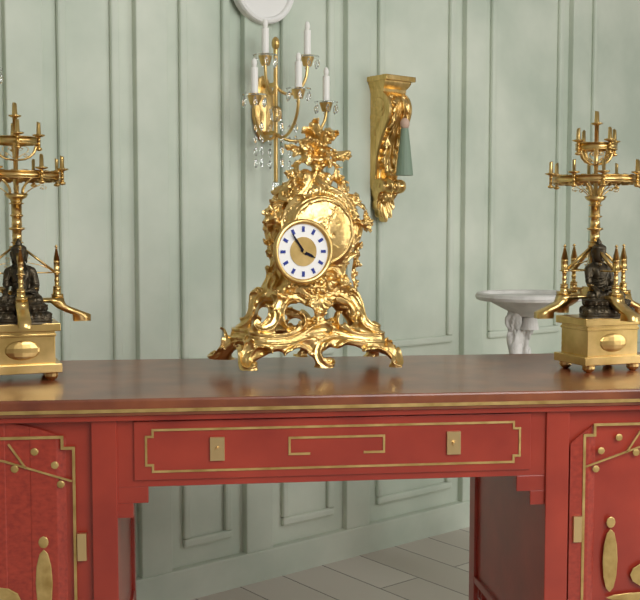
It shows 3:54
